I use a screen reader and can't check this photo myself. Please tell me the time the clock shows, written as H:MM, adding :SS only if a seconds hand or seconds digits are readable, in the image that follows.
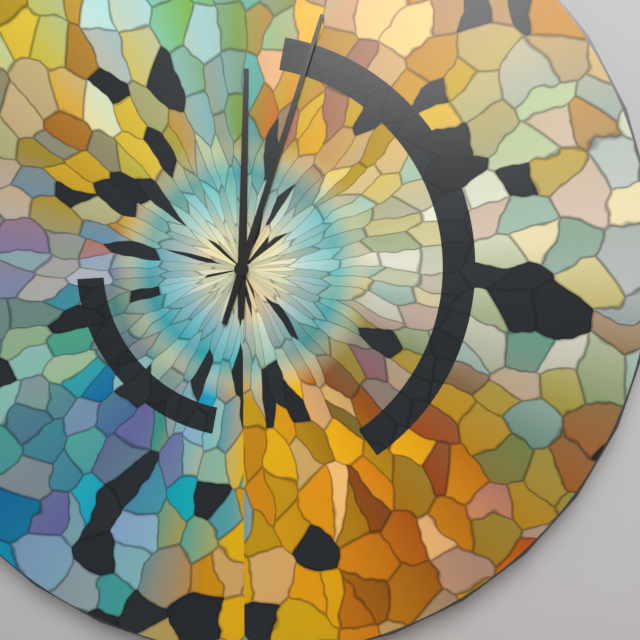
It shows 12:03
